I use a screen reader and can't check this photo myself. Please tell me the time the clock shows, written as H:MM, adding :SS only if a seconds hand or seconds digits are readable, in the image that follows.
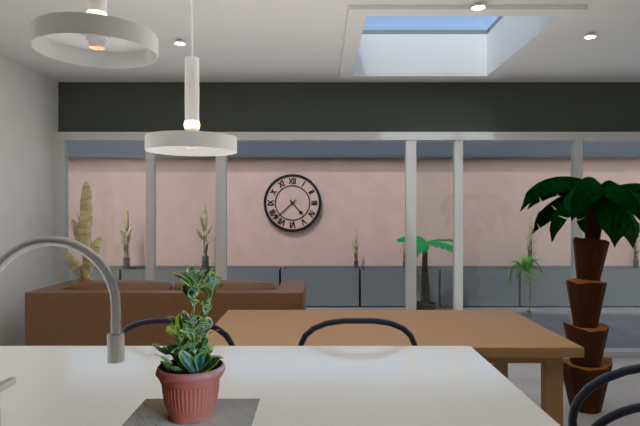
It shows 4:38
